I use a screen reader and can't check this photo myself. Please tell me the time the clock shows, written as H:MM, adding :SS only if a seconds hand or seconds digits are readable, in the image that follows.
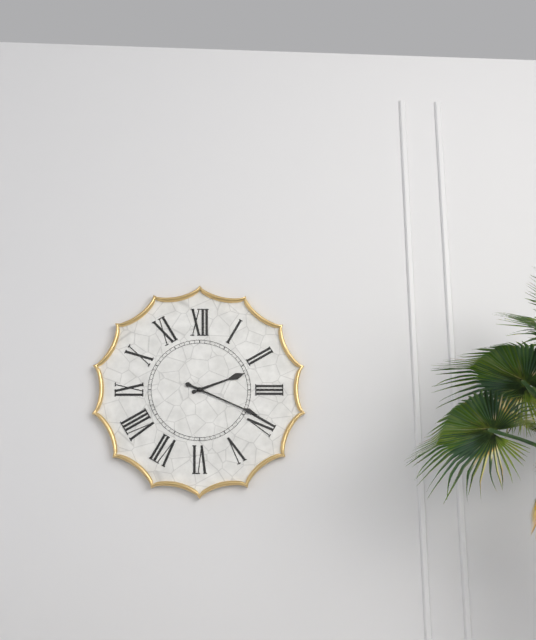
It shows 2:19
